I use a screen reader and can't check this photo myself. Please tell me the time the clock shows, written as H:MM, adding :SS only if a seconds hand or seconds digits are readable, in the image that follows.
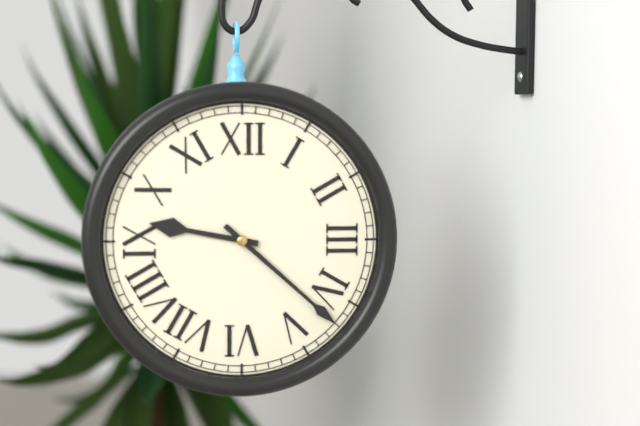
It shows 9:22
